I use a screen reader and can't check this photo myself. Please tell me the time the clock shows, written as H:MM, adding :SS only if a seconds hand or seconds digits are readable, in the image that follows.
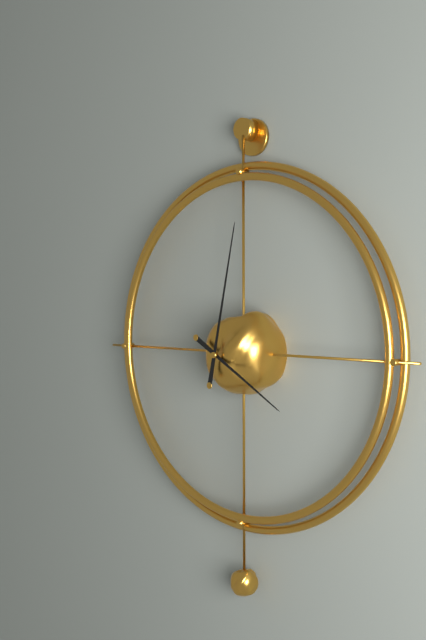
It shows 4:02
